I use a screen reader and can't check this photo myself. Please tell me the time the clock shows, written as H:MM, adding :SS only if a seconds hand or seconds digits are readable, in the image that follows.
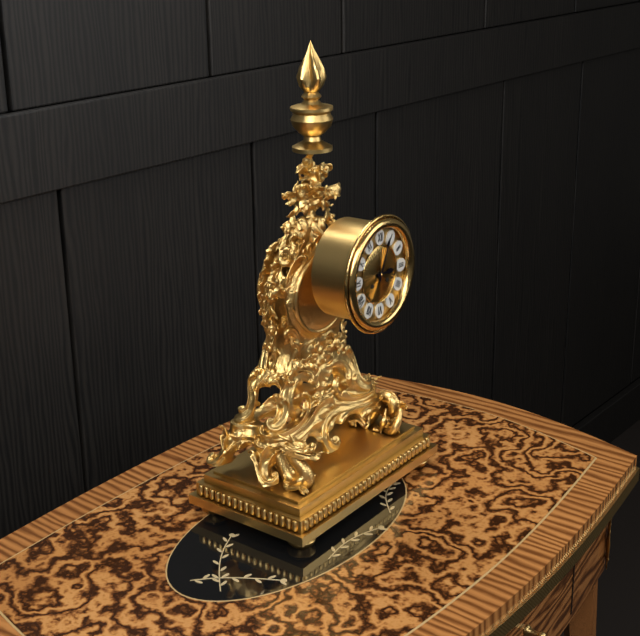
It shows 3:04
